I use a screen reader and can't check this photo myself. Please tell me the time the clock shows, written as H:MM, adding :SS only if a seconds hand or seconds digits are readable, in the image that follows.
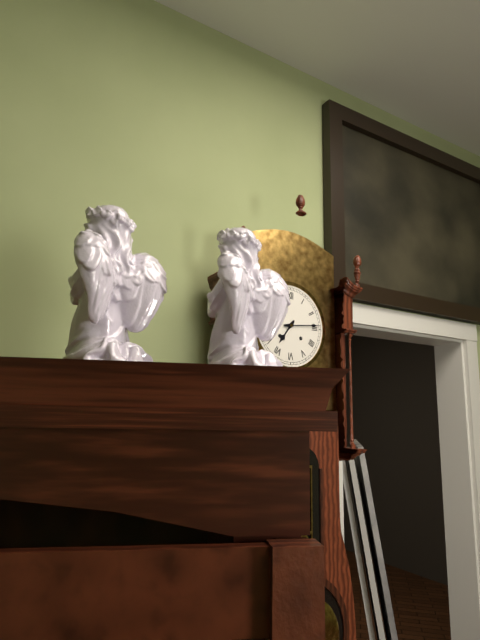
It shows 7:14
